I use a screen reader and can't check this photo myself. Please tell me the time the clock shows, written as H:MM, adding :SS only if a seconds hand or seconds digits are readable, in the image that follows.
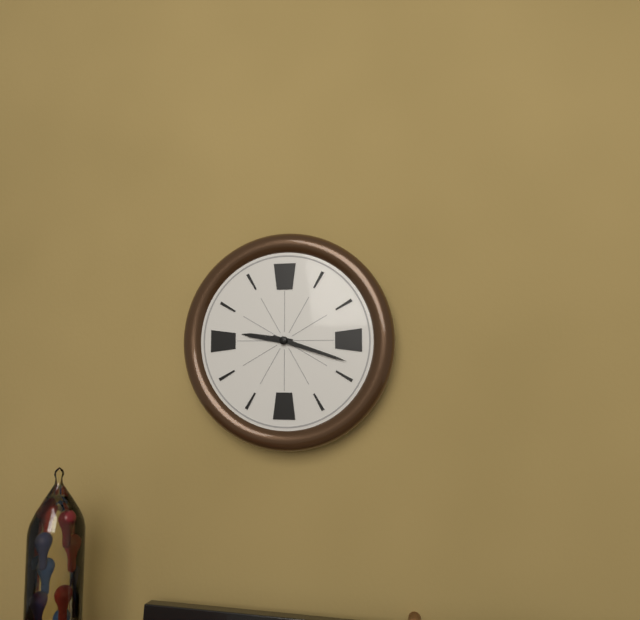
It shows 9:18
